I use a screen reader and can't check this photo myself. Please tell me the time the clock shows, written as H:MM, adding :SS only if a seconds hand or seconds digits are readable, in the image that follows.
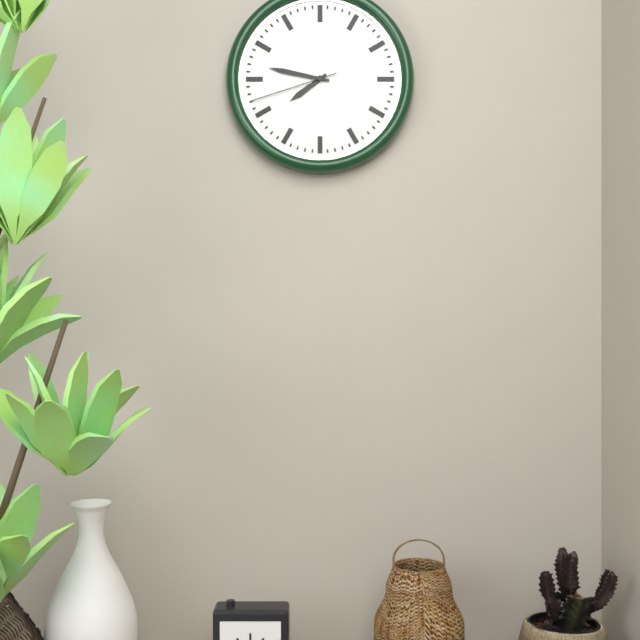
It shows 7:47:42
